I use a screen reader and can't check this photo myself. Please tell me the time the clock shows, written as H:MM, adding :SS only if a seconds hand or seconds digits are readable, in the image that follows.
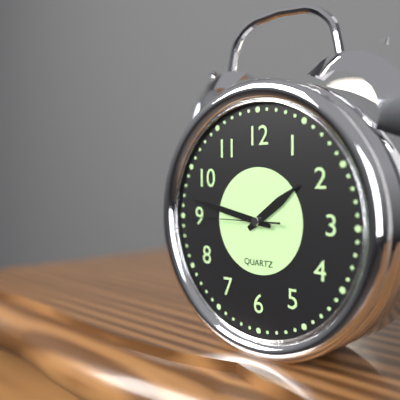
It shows 1:47:45
